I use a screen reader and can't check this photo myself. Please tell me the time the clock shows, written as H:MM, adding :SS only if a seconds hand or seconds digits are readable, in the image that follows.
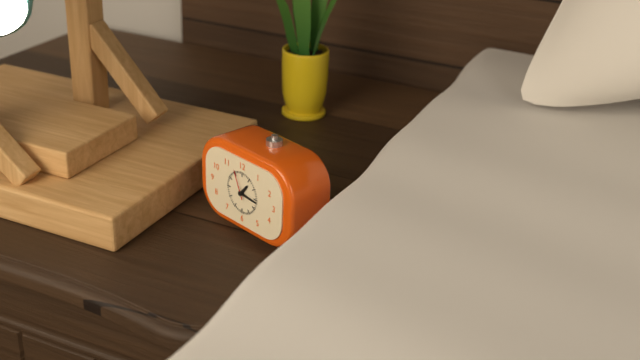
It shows 1:16
